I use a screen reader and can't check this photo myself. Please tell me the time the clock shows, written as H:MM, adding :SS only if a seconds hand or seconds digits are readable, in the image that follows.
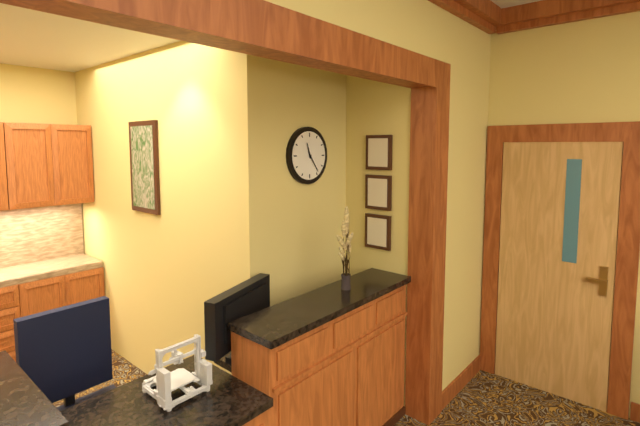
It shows 11:24
